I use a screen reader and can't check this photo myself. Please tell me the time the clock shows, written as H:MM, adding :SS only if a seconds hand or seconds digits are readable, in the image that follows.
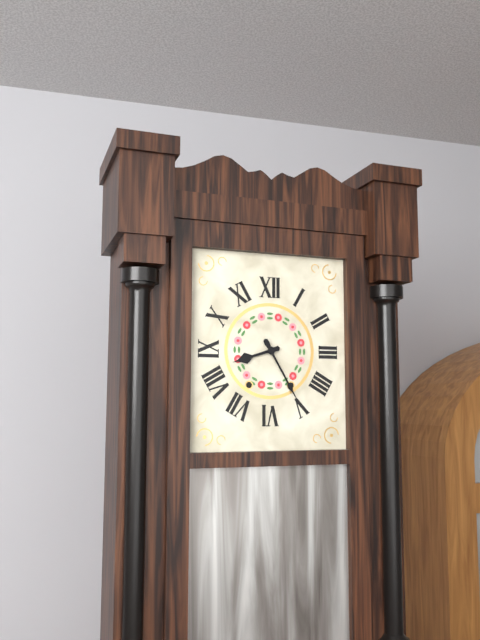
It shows 8:25
